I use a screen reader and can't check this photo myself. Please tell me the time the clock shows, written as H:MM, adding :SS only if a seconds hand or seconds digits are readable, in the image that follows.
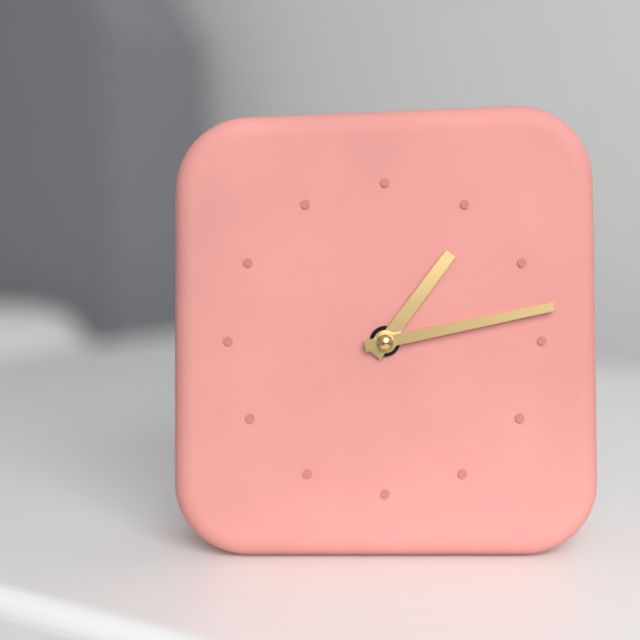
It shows 1:13
